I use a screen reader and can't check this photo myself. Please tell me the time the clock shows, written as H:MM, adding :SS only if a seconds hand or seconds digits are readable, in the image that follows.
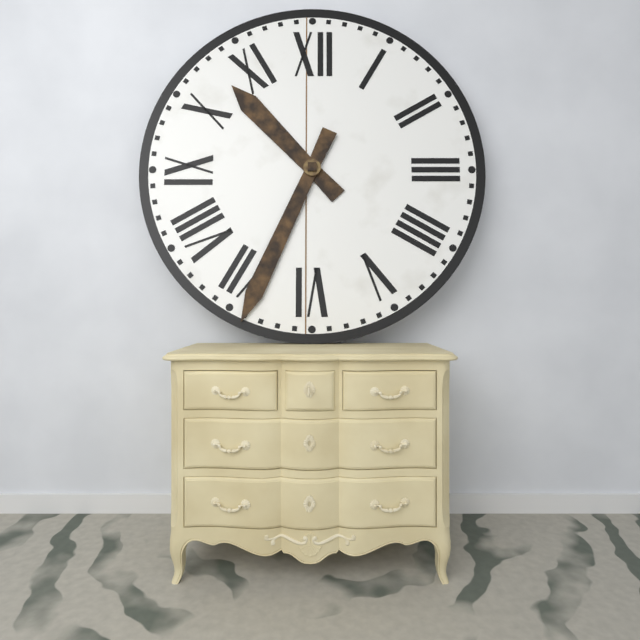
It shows 10:34
